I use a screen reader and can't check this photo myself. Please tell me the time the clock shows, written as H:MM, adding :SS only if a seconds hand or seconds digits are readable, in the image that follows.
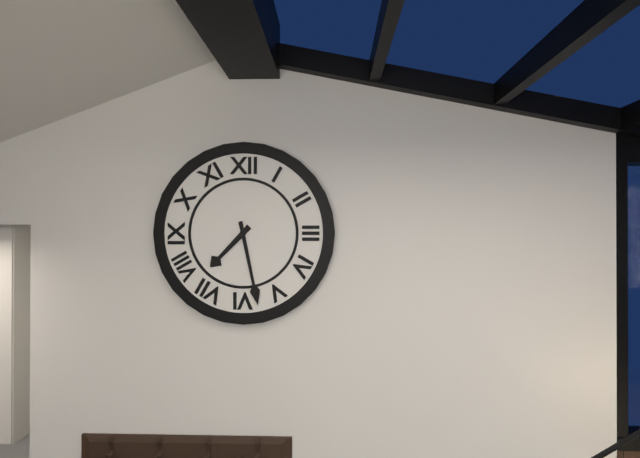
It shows 7:28
